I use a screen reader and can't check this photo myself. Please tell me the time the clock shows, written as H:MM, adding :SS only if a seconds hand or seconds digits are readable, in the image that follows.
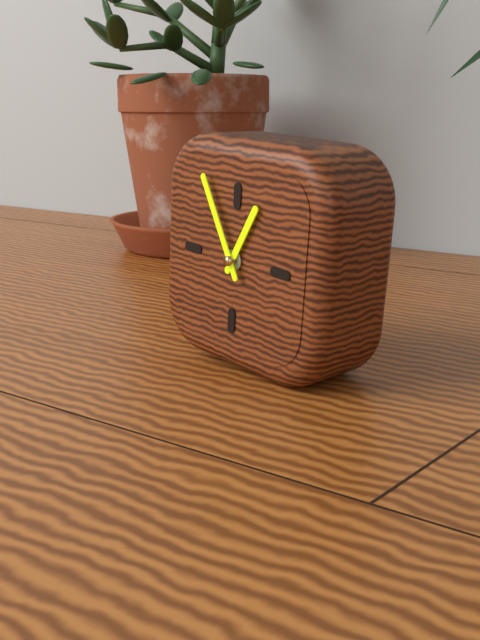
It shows 12:55
